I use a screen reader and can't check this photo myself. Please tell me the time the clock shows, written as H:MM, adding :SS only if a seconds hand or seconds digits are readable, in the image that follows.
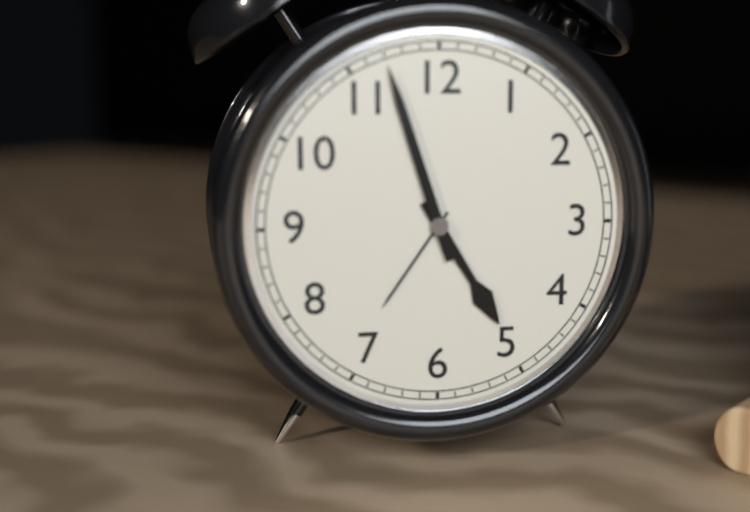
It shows 4:57
